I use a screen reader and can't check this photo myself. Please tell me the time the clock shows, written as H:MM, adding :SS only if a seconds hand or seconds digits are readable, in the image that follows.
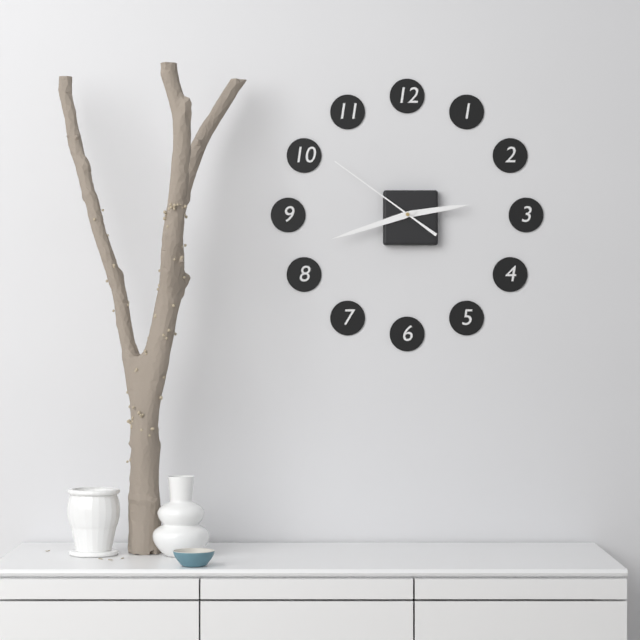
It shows 2:42:51
